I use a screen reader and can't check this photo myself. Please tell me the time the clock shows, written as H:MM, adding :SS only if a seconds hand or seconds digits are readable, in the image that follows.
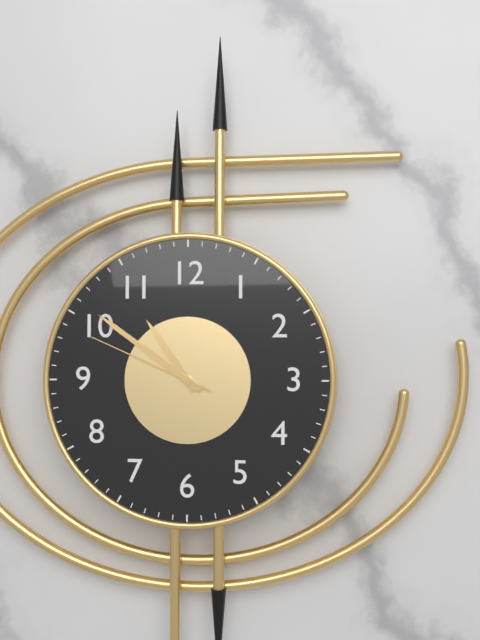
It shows 10:51:49
